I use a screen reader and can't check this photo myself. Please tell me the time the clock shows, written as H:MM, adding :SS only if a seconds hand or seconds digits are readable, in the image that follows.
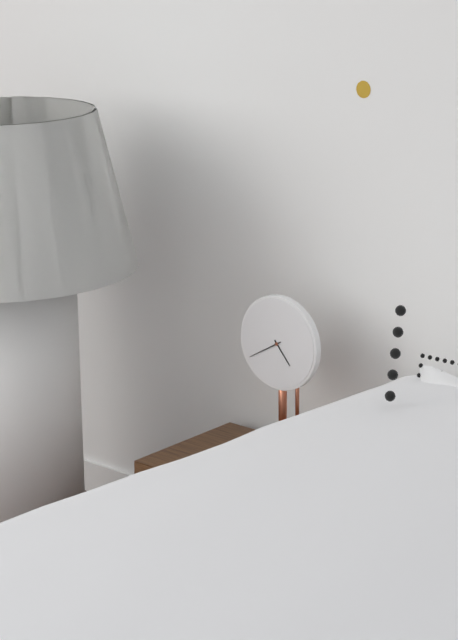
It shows 4:40
